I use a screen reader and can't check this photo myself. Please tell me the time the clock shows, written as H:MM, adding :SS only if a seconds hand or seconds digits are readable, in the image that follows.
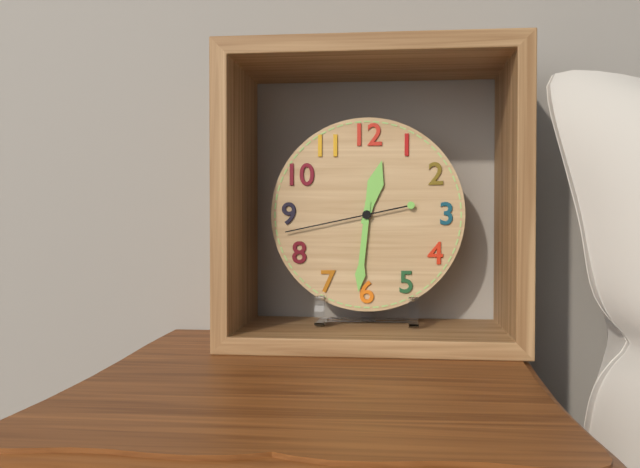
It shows 12:31:43
